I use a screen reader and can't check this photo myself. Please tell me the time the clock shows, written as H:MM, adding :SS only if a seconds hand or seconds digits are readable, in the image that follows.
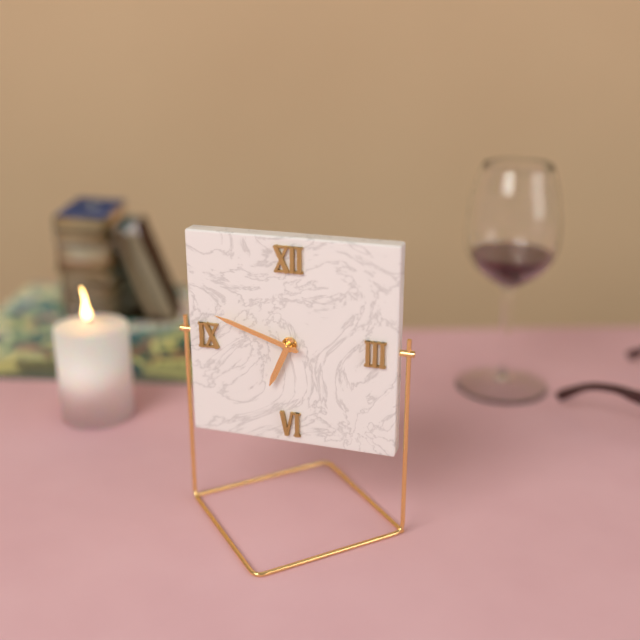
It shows 6:48
